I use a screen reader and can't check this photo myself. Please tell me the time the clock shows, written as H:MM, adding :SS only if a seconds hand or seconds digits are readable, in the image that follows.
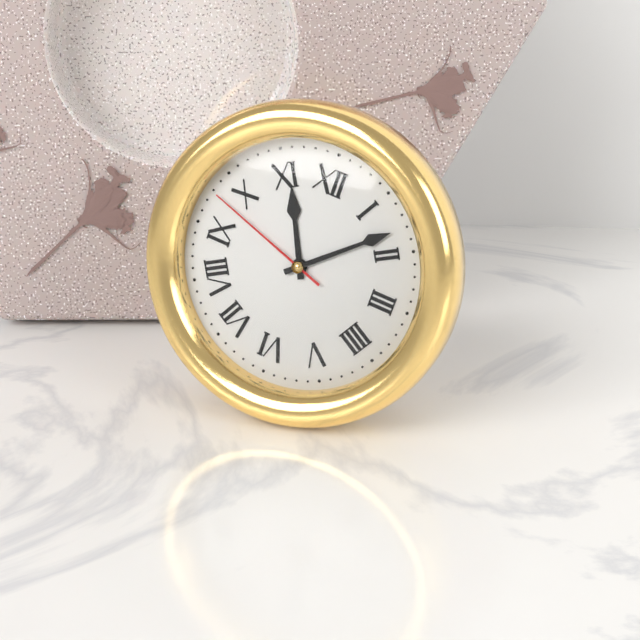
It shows 11:08:48
